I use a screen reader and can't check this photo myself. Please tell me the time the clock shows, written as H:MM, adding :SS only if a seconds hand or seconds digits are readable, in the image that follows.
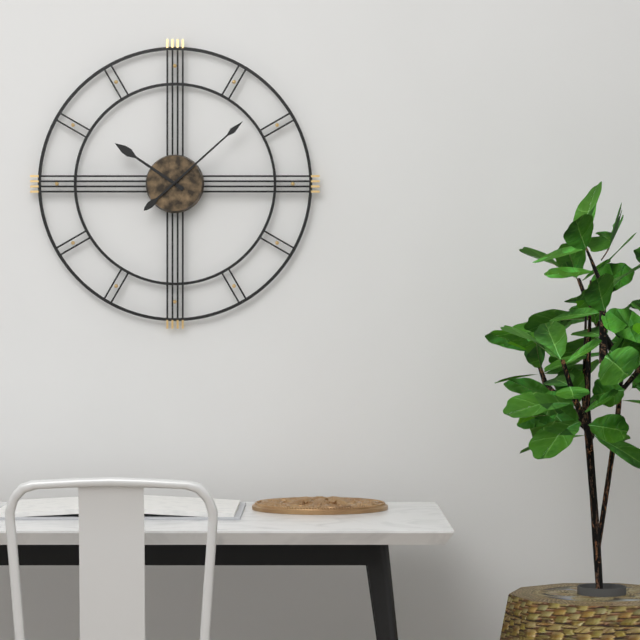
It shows 10:08
